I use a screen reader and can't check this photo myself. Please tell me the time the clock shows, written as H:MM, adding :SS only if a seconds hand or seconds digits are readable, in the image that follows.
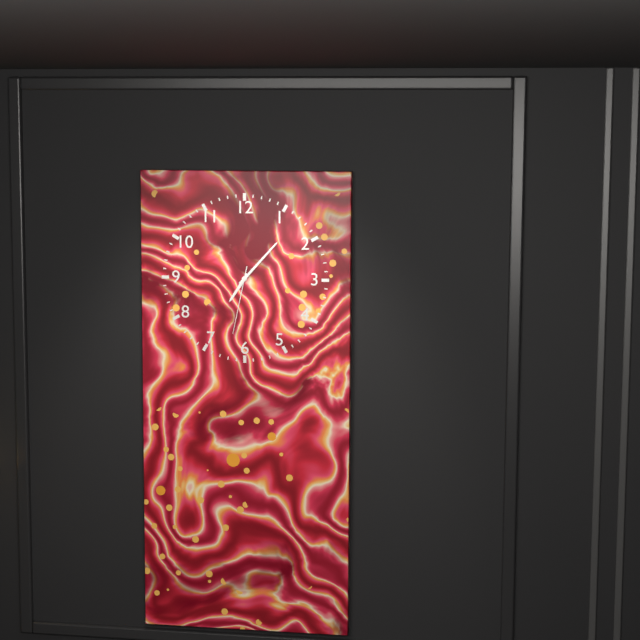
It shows 7:07:32
